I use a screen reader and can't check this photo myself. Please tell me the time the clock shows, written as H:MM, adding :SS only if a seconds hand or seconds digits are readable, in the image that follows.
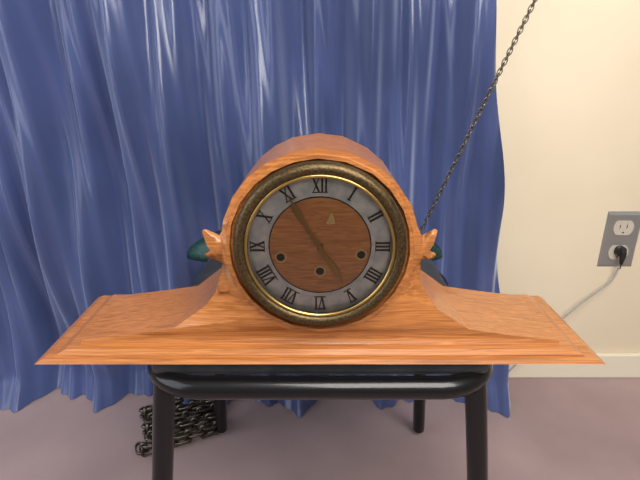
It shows 4:55
